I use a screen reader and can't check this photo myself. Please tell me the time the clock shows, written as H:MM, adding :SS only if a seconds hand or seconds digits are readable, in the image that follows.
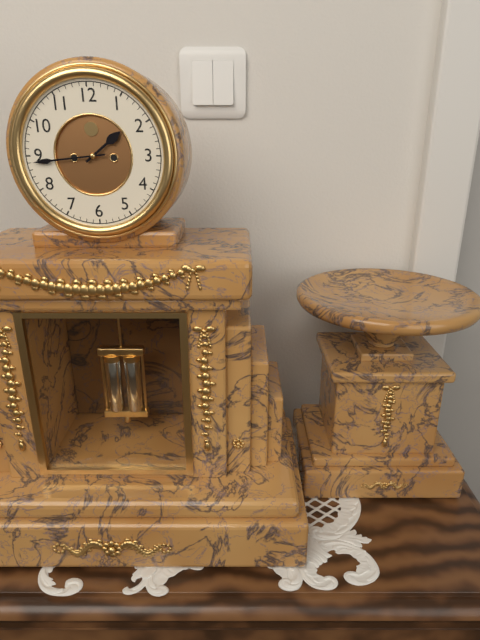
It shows 1:44
